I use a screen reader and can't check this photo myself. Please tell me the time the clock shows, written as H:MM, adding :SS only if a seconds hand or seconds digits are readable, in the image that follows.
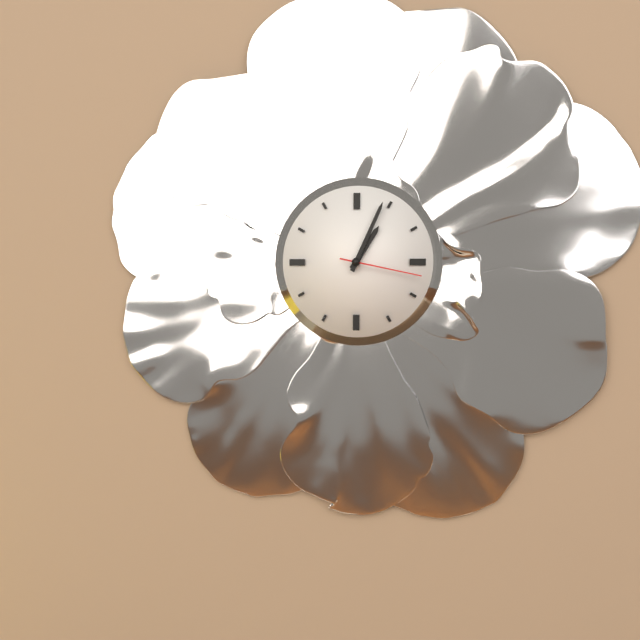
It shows 1:04:17
